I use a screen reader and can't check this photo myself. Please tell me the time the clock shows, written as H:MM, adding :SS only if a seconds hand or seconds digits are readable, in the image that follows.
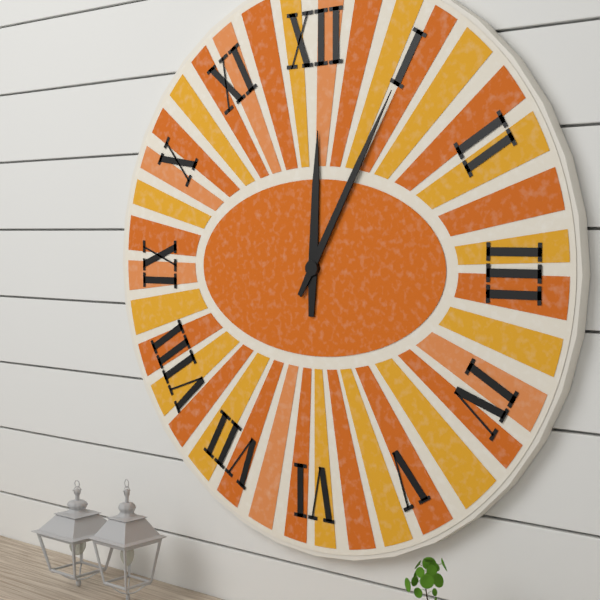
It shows 12:05
